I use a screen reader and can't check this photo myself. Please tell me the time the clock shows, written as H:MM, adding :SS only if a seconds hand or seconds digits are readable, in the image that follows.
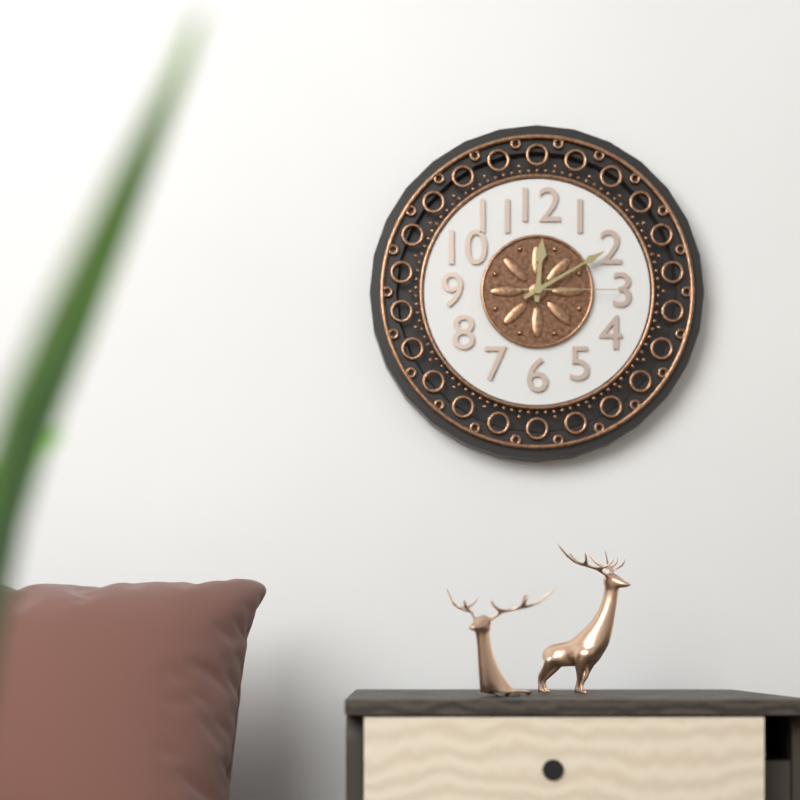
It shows 12:10:15
